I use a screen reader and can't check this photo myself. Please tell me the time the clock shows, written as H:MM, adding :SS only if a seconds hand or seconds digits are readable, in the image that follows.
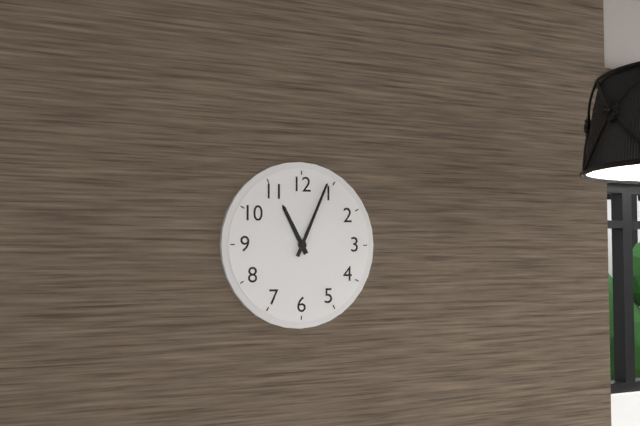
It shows 11:04
